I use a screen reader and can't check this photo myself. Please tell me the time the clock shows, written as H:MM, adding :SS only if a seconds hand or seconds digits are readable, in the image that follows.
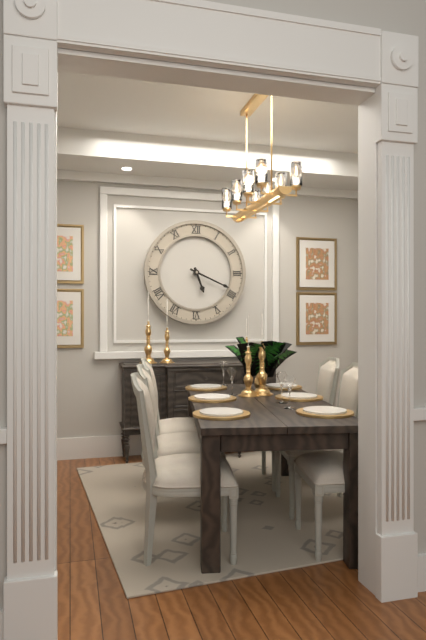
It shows 5:19
